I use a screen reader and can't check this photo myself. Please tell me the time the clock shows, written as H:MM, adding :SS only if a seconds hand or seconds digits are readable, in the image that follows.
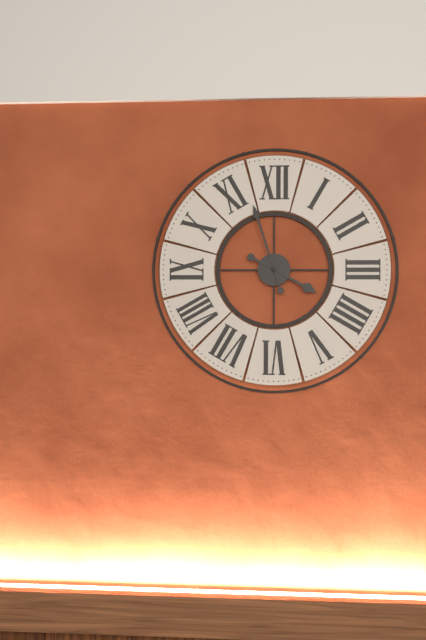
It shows 3:57
